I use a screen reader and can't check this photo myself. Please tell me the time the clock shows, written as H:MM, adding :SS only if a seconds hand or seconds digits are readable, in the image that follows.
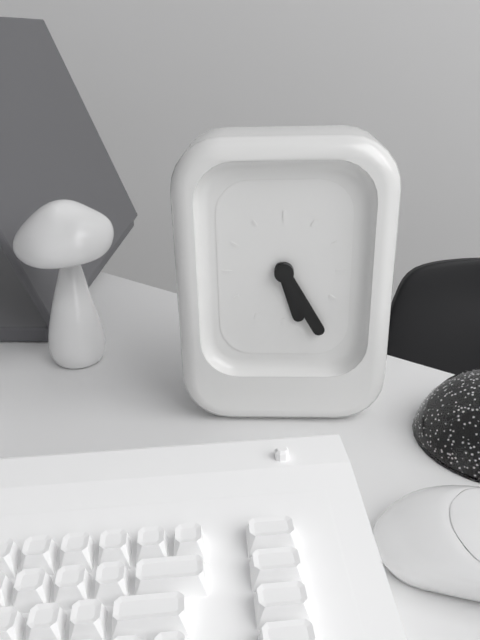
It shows 5:25
